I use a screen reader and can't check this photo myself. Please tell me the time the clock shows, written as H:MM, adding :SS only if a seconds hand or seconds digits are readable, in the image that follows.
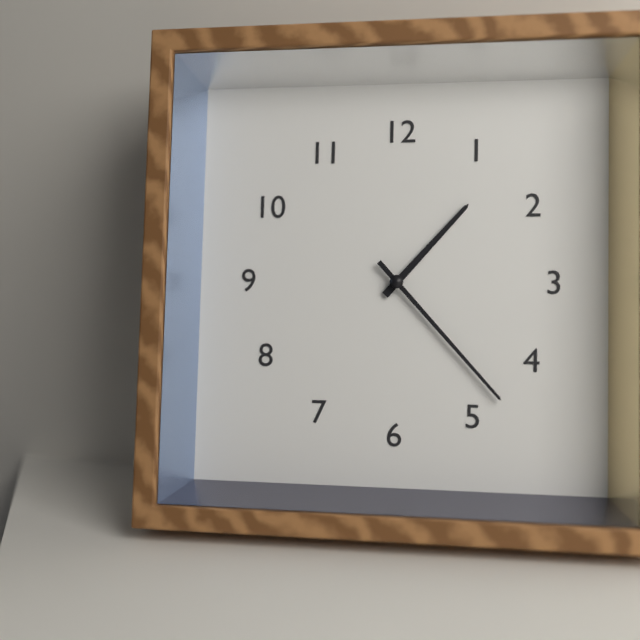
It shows 1:23
